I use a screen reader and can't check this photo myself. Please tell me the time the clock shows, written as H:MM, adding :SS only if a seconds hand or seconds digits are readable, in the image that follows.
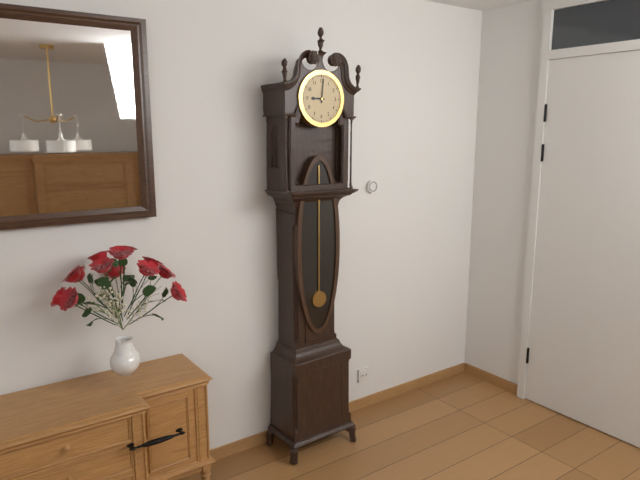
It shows 9:01
